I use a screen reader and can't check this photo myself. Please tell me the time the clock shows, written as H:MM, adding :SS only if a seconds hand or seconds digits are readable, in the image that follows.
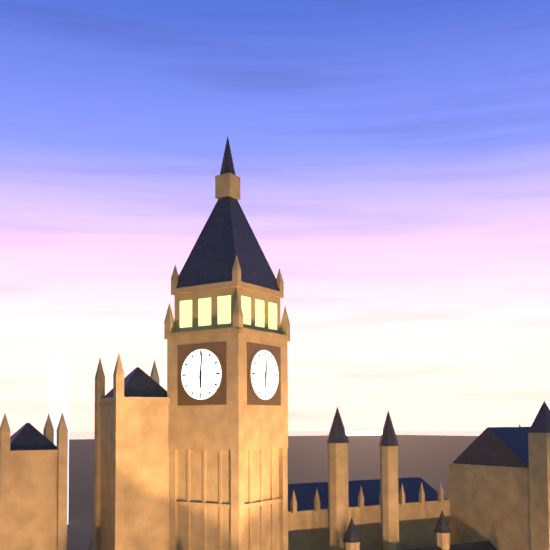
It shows 6:01
